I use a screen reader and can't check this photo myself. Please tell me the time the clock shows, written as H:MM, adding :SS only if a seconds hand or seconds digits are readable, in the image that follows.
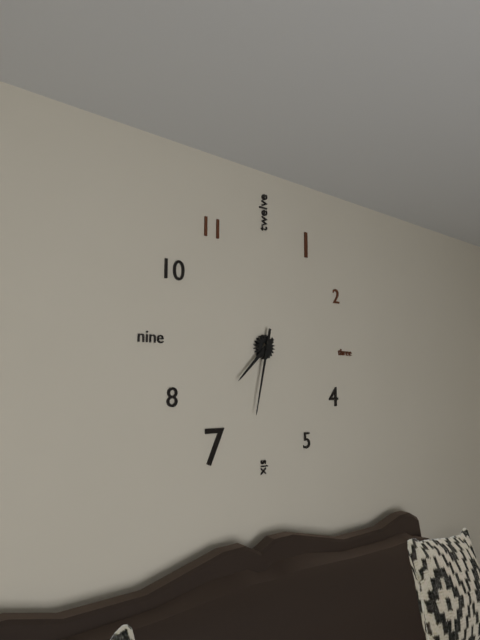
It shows 7:32
